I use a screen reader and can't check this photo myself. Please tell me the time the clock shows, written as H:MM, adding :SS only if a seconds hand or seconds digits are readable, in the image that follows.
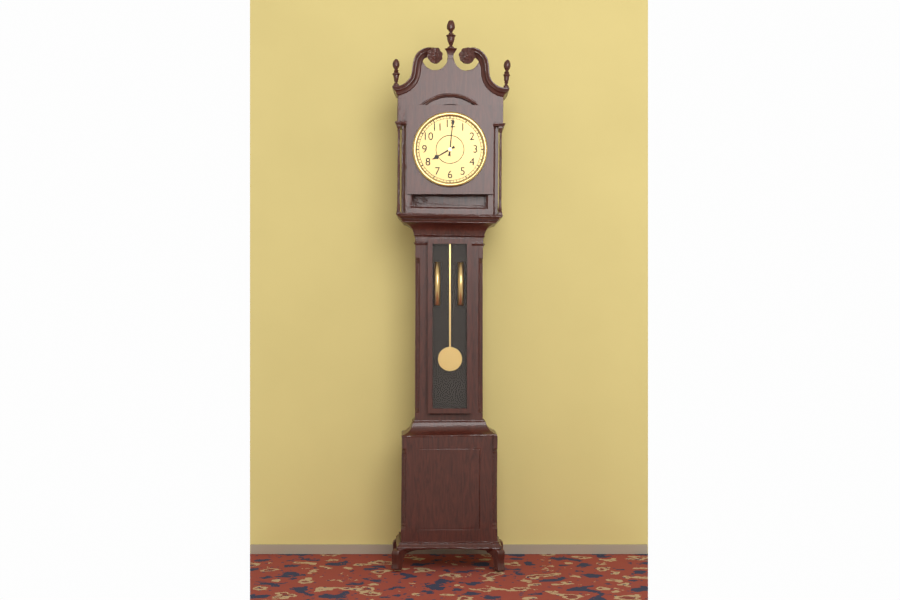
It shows 8:01
